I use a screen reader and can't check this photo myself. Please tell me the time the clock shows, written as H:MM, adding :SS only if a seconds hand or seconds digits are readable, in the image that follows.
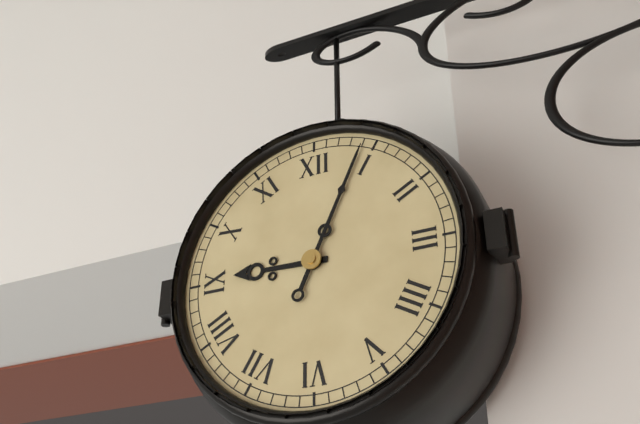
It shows 9:04
